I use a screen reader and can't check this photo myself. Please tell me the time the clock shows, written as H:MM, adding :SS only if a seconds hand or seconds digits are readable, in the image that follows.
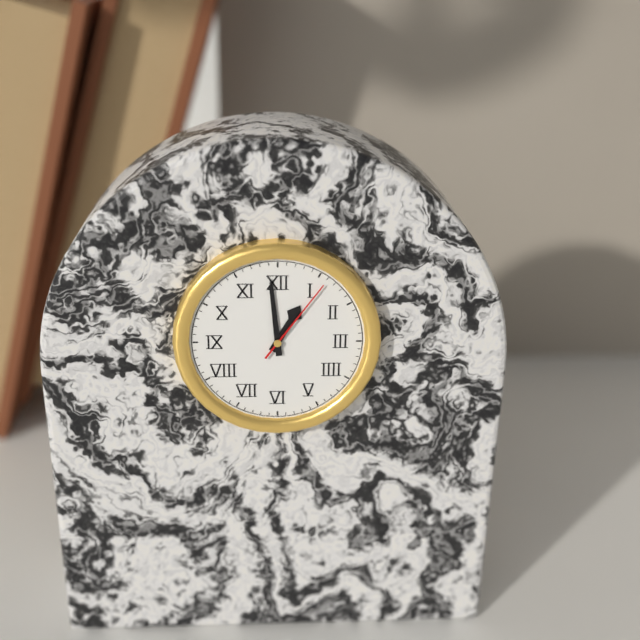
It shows 12:59:06
